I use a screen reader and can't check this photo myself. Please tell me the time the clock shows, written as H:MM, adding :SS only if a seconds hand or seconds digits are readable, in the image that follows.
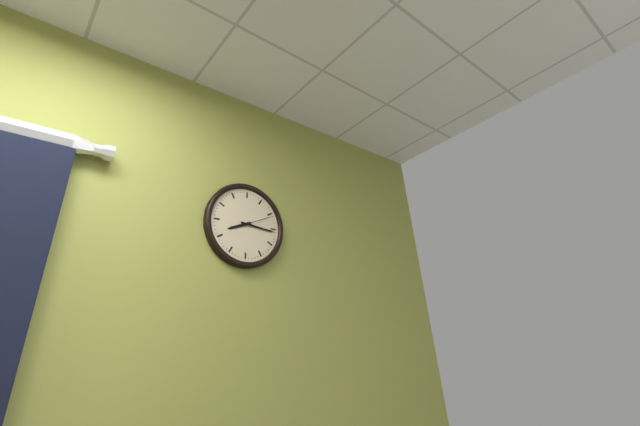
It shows 8:16
